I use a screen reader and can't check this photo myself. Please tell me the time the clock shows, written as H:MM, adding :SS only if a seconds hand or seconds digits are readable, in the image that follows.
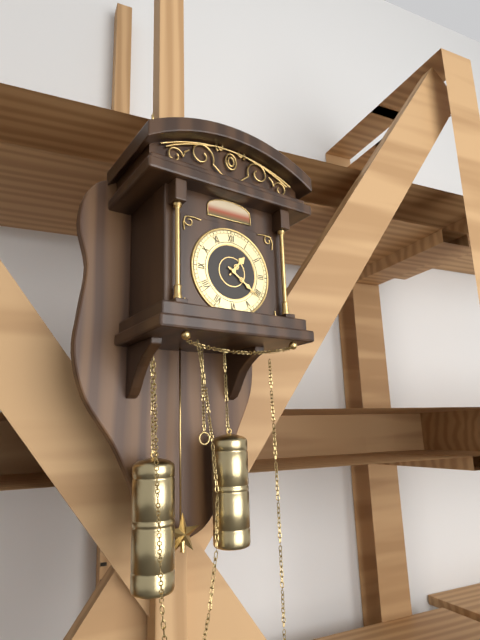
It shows 1:21
